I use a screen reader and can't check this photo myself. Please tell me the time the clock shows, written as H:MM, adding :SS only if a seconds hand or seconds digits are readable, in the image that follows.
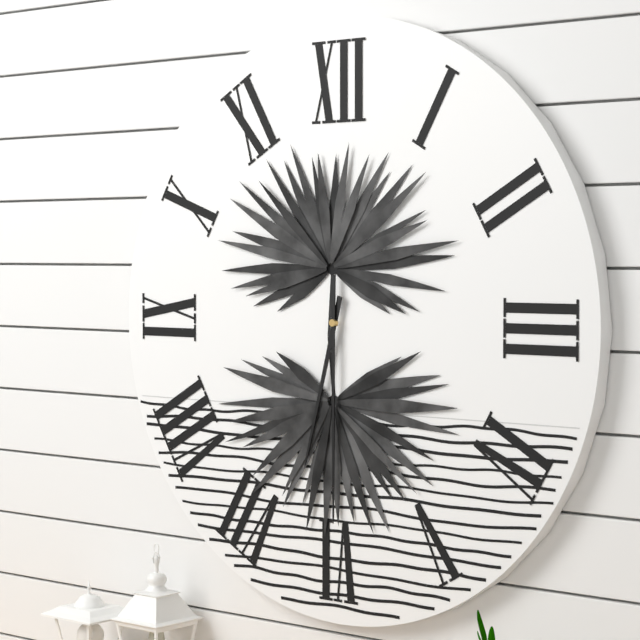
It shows 6:30
